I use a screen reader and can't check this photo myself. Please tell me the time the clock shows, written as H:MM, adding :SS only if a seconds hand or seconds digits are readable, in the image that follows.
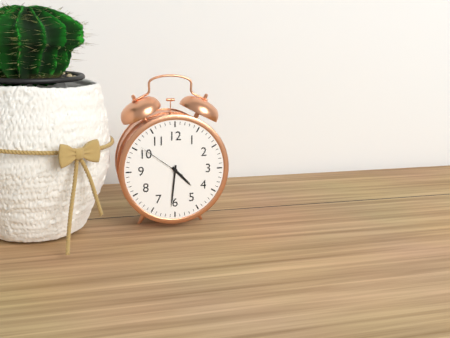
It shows 4:31:51
